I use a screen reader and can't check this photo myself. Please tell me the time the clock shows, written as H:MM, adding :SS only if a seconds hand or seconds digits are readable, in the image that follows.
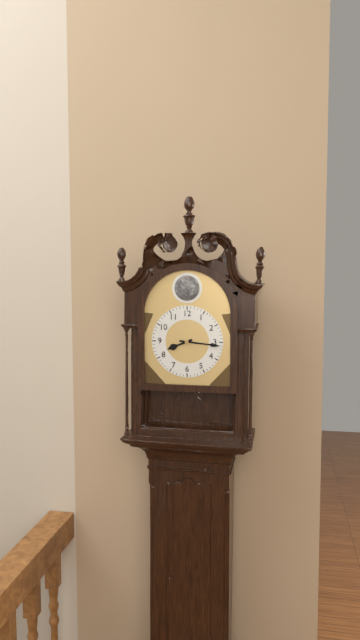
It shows 8:16
